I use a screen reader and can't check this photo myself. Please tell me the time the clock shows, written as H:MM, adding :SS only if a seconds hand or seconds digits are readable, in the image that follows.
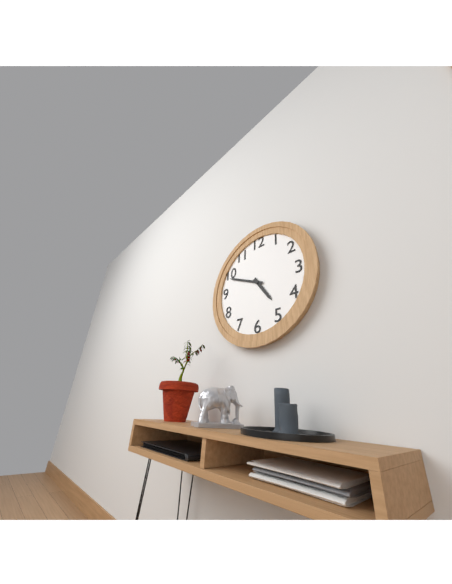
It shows 4:49
